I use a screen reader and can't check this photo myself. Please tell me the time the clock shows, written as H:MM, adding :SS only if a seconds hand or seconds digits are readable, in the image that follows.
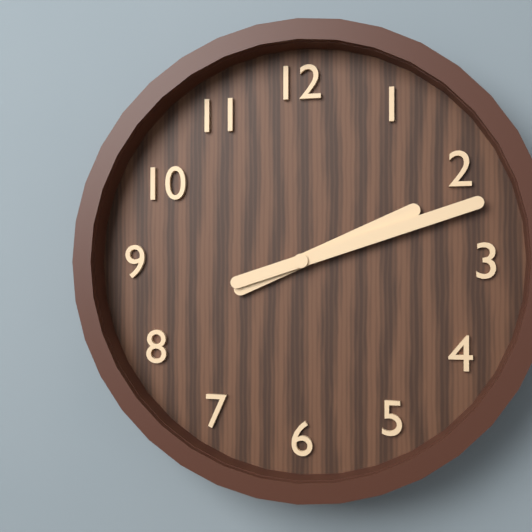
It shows 2:12
